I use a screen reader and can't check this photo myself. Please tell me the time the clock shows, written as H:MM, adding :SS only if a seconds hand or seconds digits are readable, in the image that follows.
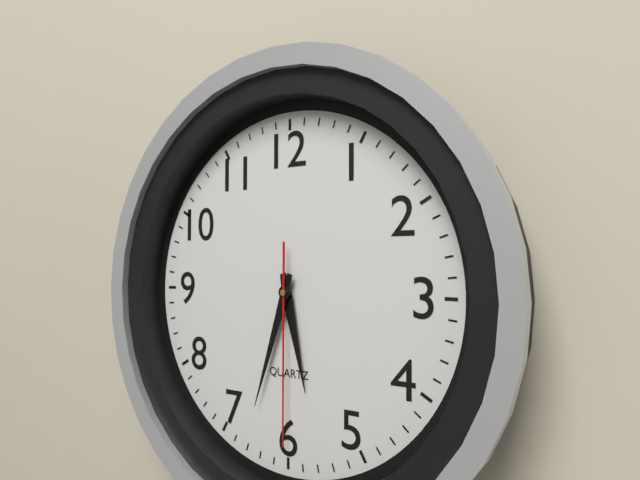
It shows 5:33:30
